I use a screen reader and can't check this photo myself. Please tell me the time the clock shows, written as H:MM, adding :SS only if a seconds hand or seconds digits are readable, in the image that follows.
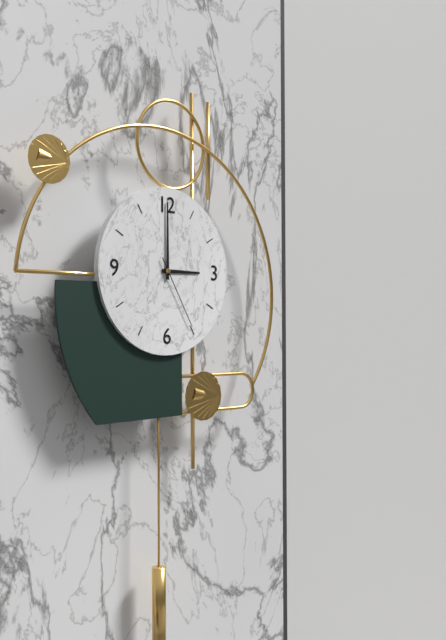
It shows 3:00:25
